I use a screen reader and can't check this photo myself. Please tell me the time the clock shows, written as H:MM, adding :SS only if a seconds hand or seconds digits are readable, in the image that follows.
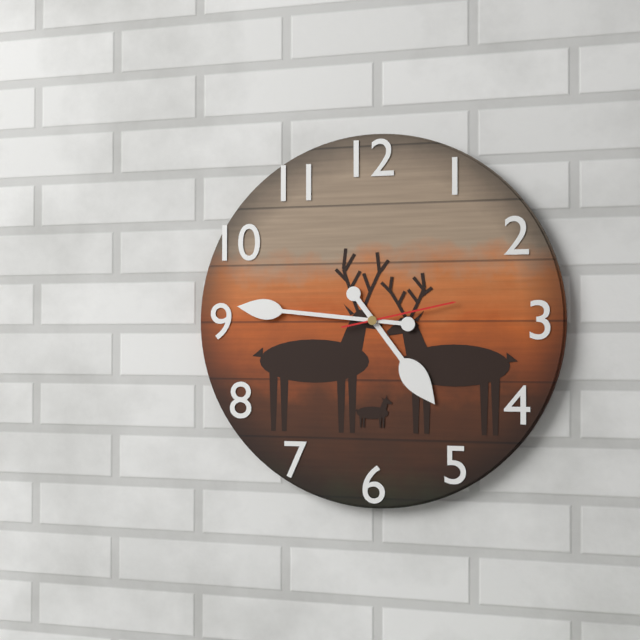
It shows 4:46:13
